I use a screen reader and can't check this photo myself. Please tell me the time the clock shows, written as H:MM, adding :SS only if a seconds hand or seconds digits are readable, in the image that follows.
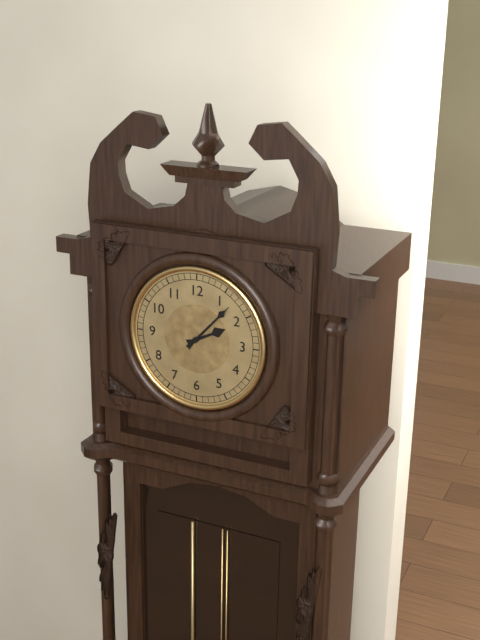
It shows 2:07
